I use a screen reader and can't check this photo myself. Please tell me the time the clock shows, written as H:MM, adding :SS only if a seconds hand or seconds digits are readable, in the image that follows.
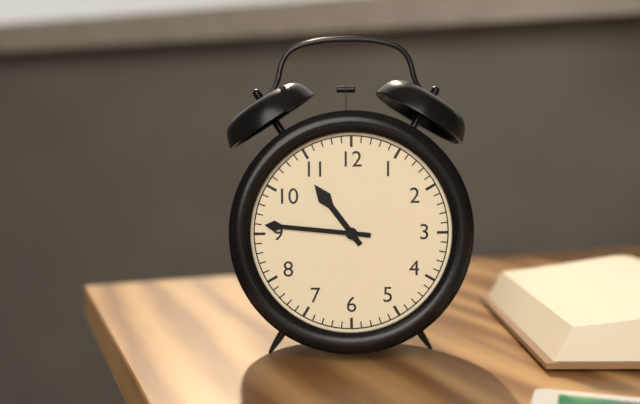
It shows 10:46
